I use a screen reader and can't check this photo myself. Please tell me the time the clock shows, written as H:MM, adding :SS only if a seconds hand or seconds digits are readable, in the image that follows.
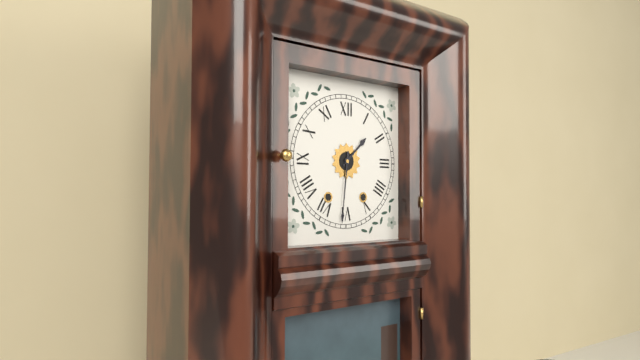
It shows 1:31
